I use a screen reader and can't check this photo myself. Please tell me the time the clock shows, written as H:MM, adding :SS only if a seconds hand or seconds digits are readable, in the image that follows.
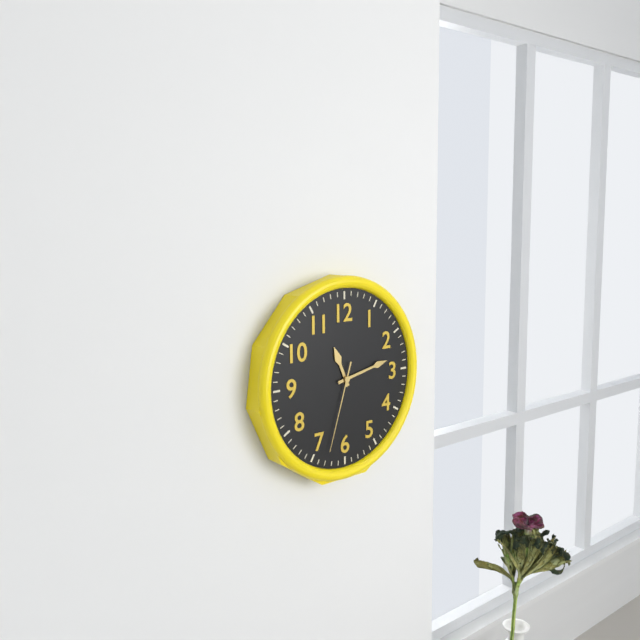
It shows 11:13:33
